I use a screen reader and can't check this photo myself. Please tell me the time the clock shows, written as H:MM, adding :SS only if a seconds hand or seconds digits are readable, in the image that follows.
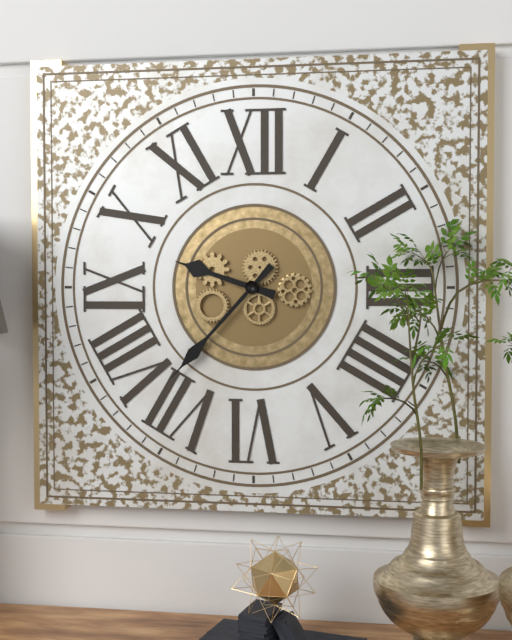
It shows 9:37
